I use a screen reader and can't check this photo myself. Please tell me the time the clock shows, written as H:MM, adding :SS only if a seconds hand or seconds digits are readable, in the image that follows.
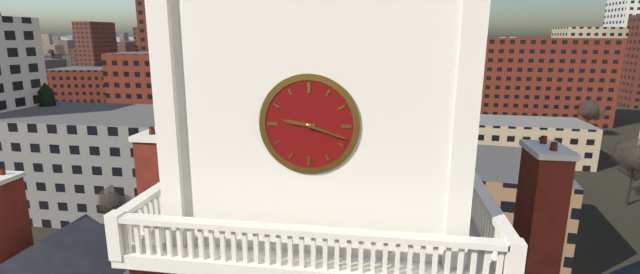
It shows 9:18
